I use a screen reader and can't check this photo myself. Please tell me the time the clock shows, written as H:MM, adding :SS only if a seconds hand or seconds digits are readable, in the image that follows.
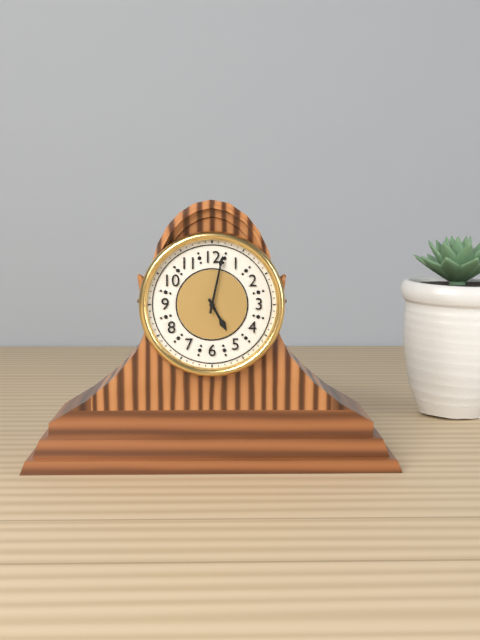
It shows 5:02
